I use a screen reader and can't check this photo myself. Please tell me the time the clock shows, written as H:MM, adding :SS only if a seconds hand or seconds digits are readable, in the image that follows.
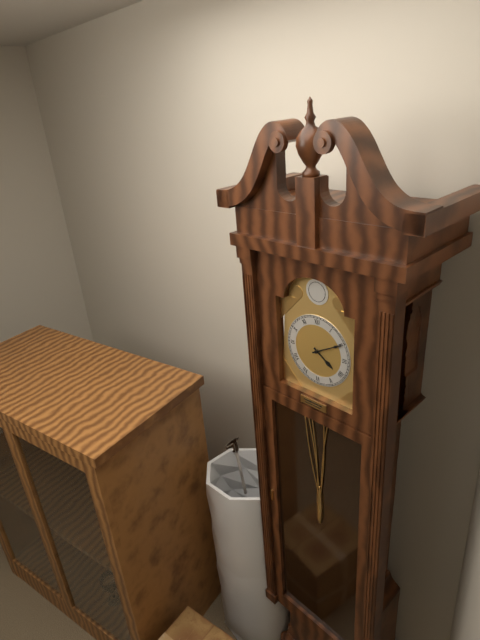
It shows 4:10
